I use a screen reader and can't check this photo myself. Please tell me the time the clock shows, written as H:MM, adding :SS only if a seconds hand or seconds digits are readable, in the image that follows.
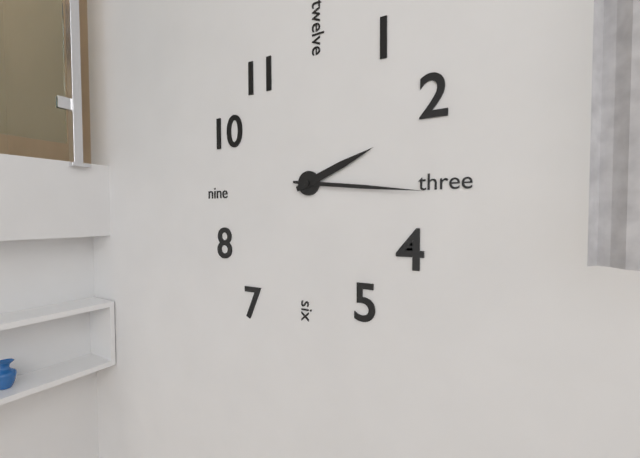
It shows 2:16
